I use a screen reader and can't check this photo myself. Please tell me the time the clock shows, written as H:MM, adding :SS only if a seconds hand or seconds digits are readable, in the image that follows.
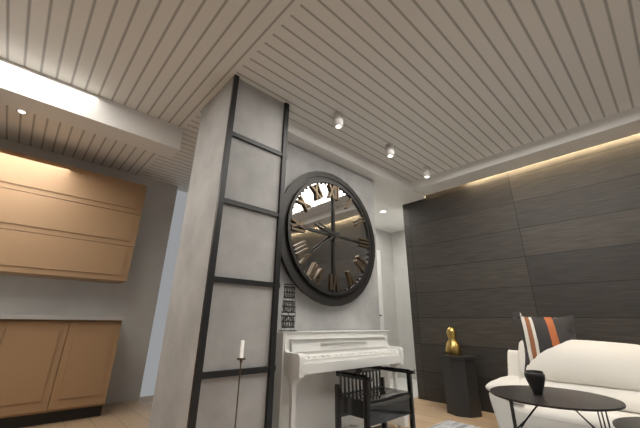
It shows 9:39
